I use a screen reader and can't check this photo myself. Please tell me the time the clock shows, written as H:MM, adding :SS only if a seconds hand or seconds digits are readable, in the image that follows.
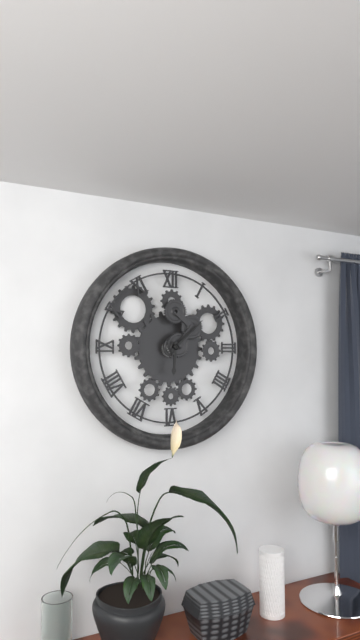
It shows 6:08
